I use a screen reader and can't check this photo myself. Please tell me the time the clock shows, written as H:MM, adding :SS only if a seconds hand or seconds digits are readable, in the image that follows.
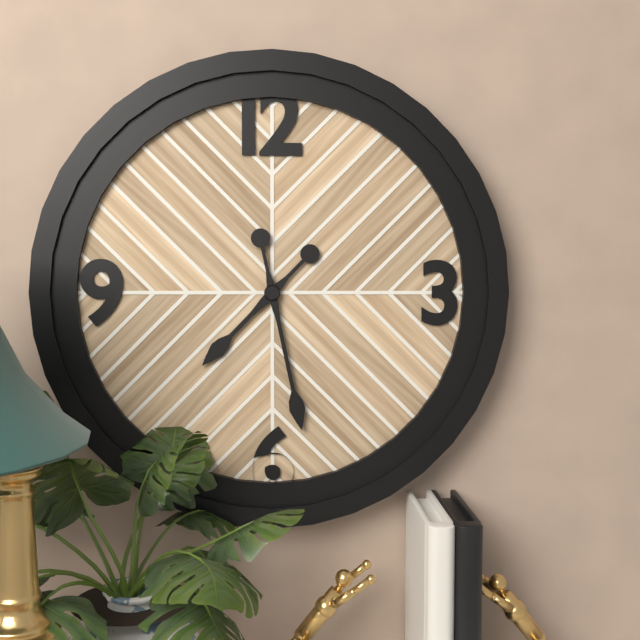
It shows 7:28
